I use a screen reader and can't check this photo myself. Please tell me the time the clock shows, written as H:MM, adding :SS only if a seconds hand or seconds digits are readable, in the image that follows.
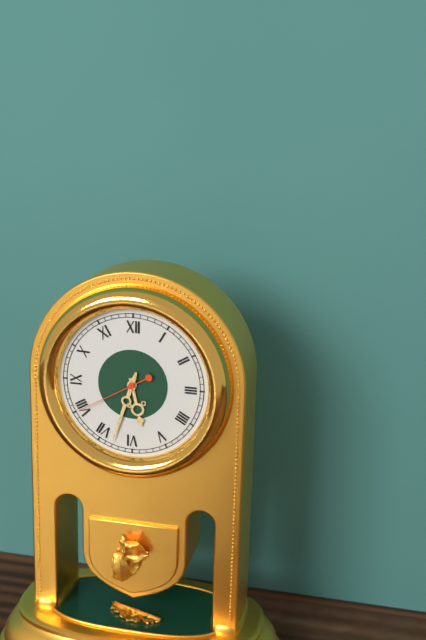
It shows 5:33:40
